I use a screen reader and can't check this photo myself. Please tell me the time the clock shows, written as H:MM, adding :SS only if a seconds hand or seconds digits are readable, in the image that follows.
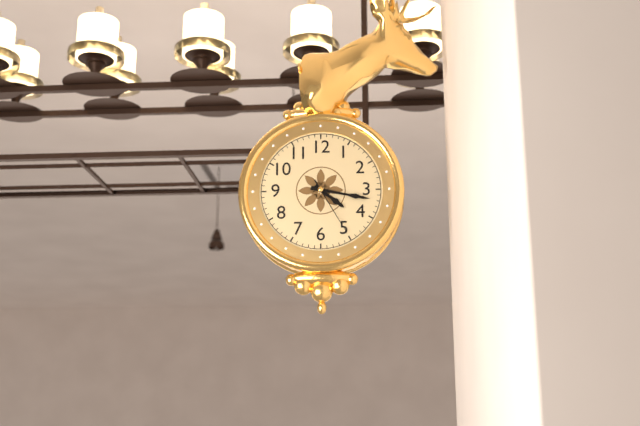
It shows 4:17:25
